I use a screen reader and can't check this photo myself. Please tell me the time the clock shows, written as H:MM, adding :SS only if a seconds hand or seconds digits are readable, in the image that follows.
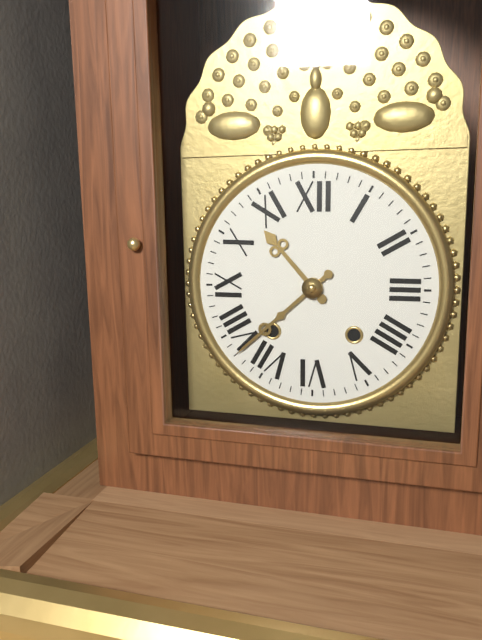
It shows 10:38
